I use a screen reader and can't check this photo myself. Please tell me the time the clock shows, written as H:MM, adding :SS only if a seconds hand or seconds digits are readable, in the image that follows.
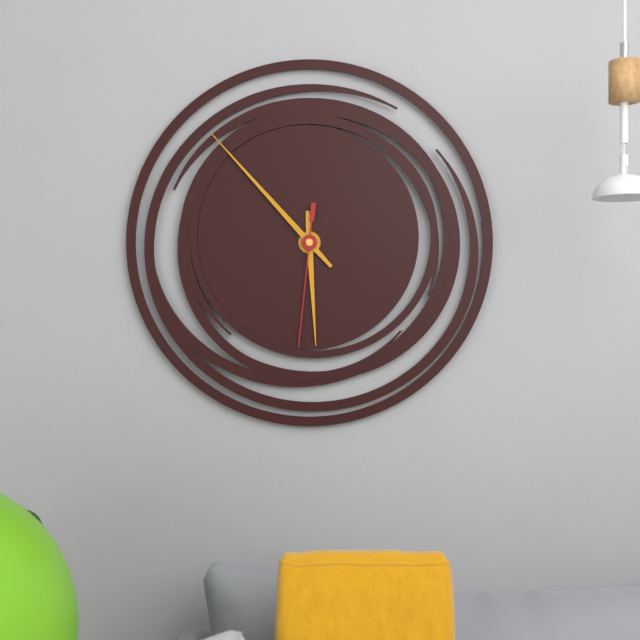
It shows 5:53:31
